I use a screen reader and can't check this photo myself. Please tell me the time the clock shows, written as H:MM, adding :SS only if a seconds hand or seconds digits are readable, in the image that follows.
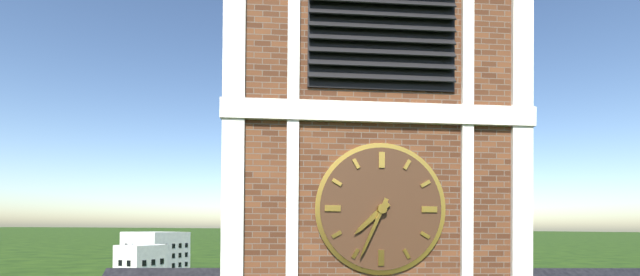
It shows 7:34
